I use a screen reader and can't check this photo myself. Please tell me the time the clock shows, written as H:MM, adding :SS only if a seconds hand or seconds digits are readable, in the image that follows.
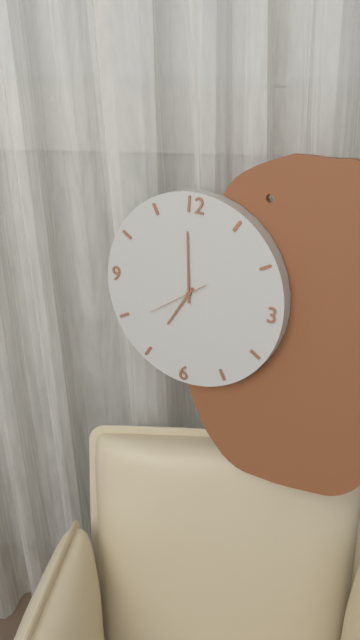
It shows 6:59:39
